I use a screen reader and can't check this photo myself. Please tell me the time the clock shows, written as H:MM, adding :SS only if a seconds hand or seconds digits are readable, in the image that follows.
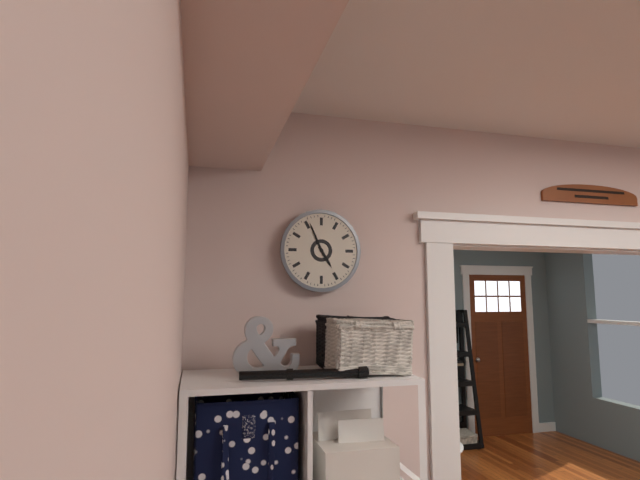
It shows 4:56
